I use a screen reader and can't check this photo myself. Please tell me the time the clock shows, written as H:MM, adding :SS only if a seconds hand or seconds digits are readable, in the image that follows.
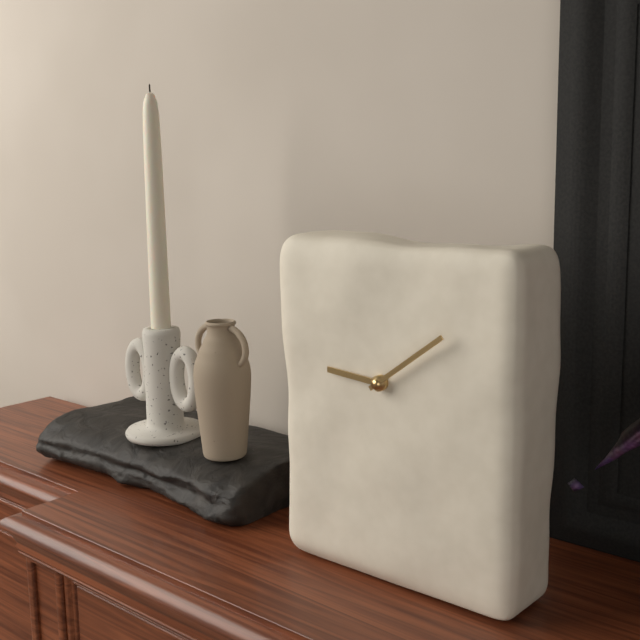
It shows 9:09
